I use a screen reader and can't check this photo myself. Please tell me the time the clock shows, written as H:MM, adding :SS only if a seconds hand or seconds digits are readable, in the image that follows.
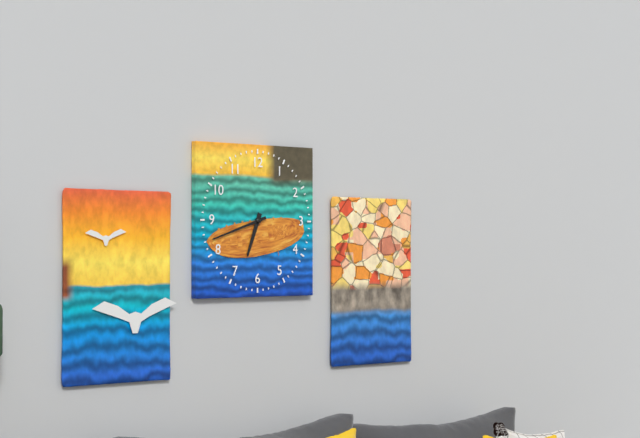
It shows 6:42
